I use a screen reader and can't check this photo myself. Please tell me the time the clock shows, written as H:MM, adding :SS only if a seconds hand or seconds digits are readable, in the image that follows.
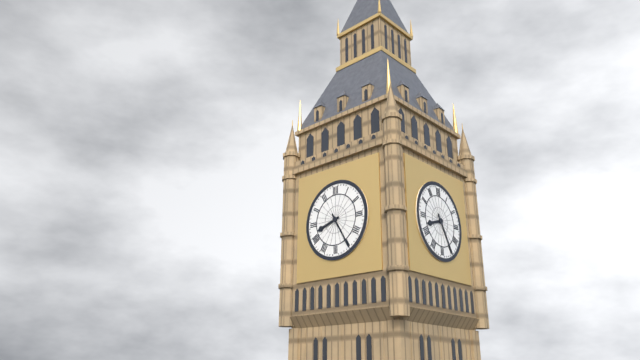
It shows 8:25
